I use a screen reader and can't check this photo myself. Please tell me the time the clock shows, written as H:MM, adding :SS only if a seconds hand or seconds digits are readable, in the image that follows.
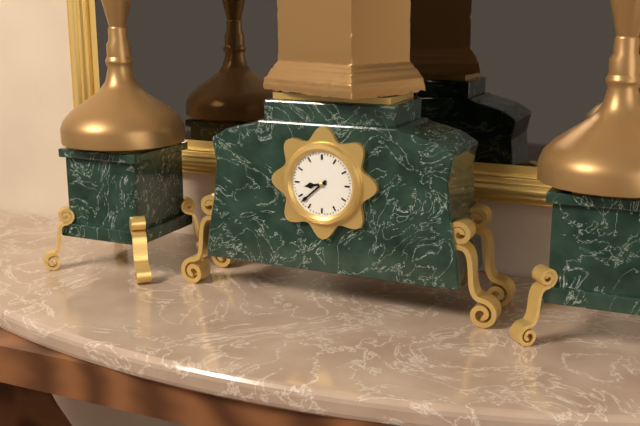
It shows 8:38
